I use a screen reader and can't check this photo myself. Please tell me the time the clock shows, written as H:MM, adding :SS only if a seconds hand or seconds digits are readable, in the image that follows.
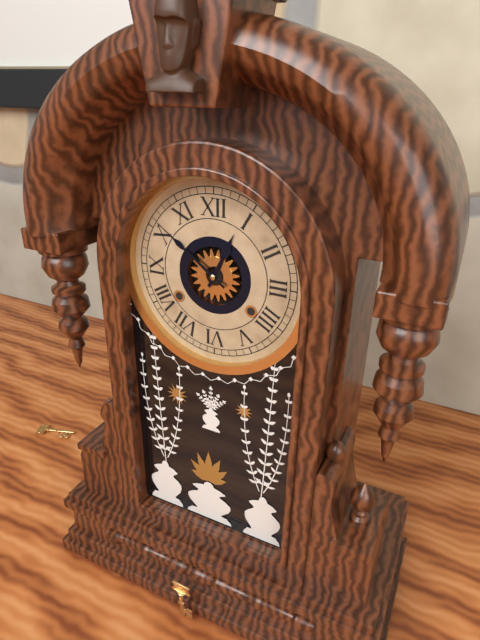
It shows 12:51
